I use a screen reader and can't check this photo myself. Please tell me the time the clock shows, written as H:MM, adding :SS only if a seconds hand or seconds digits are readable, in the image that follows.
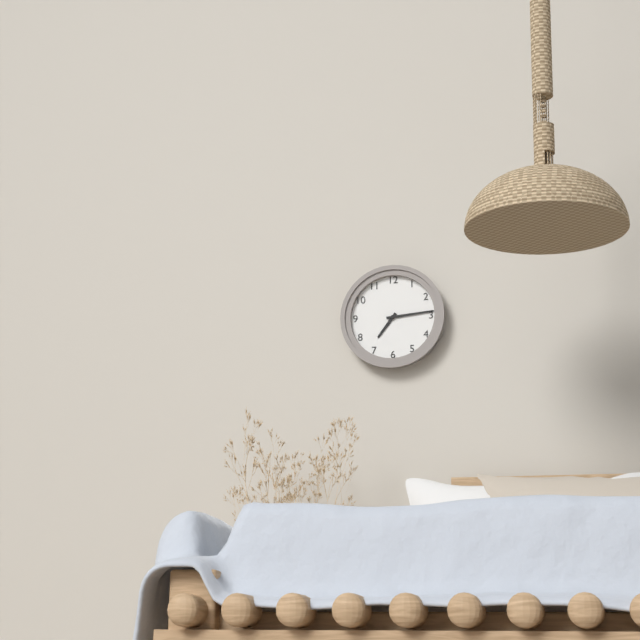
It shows 7:14
